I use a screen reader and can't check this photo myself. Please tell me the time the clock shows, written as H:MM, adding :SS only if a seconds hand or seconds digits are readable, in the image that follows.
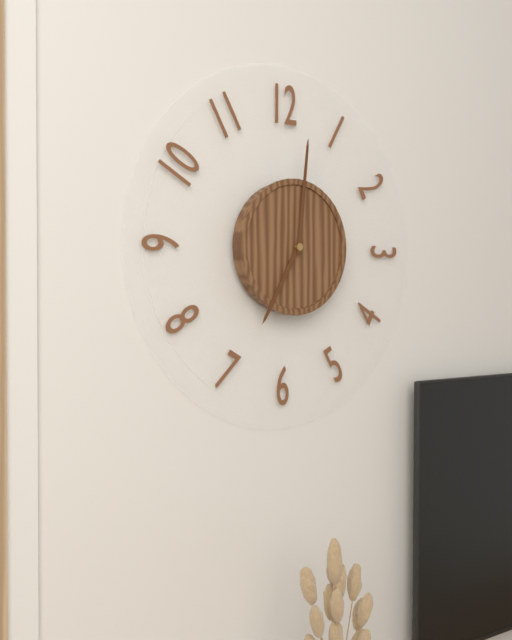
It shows 7:01
